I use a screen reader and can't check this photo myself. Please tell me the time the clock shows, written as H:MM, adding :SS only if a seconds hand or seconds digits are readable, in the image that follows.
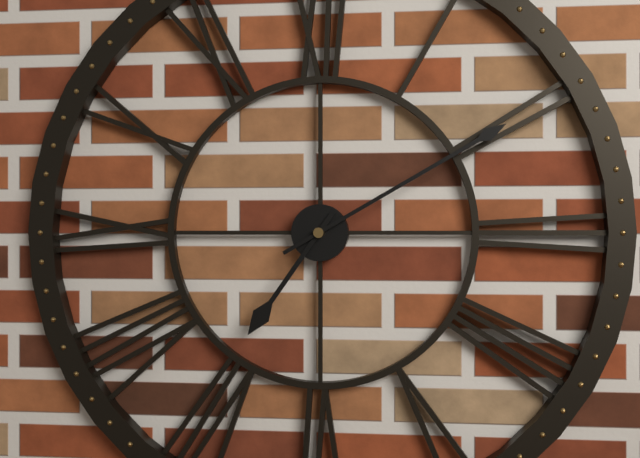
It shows 7:10
